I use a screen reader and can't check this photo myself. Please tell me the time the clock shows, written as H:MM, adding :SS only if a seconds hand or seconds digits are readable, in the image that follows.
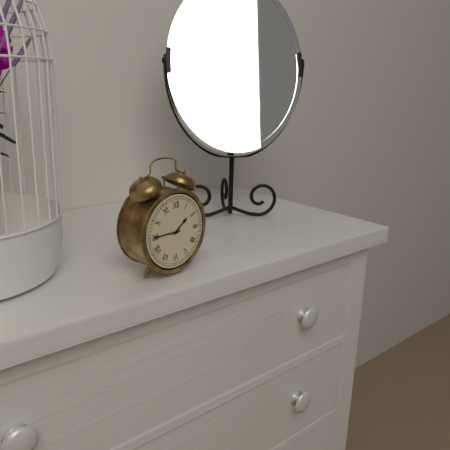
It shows 1:45
